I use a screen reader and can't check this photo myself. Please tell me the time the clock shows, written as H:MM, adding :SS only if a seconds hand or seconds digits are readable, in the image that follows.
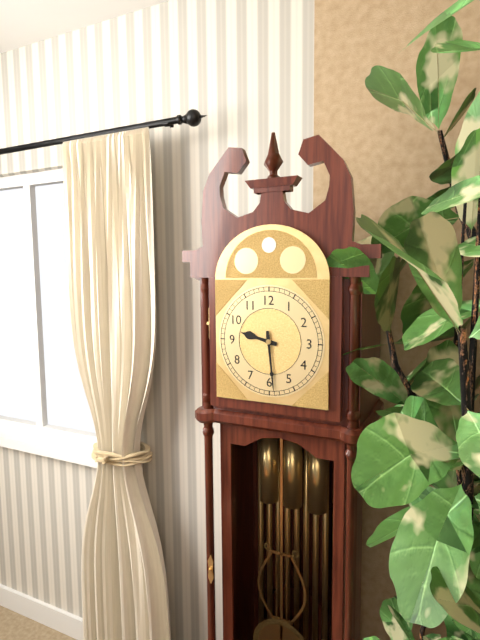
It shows 9:29
